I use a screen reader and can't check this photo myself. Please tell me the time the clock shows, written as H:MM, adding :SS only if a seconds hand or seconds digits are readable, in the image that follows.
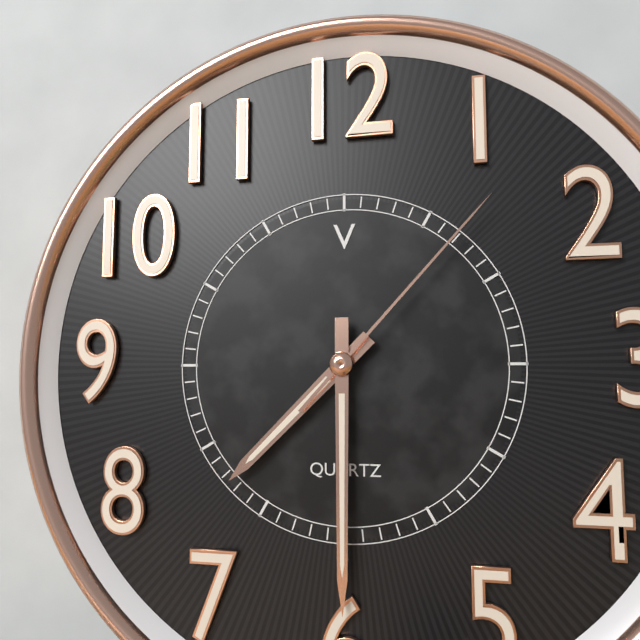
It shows 7:30:07
